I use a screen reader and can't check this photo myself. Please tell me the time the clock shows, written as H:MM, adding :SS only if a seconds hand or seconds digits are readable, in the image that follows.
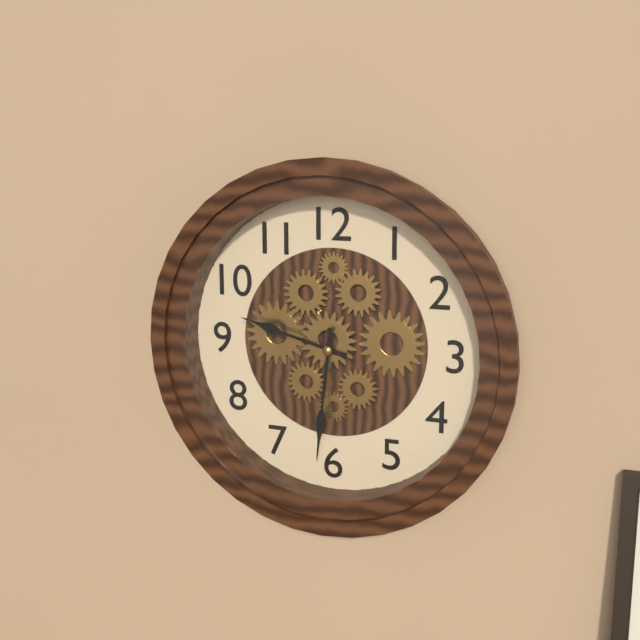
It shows 9:31
